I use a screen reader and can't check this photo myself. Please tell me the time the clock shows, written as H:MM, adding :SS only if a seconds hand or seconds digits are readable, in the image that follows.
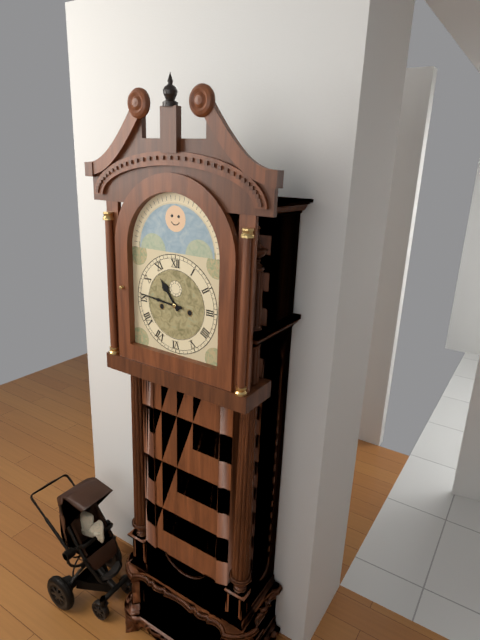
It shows 10:46
